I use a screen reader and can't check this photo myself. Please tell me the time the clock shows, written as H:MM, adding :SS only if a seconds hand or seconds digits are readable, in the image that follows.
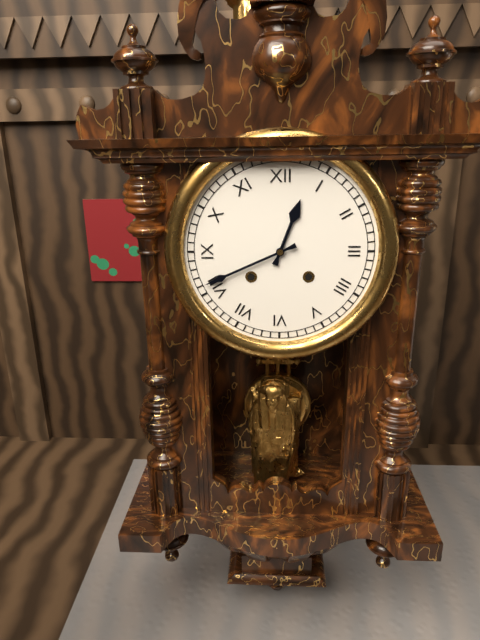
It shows 12:41
